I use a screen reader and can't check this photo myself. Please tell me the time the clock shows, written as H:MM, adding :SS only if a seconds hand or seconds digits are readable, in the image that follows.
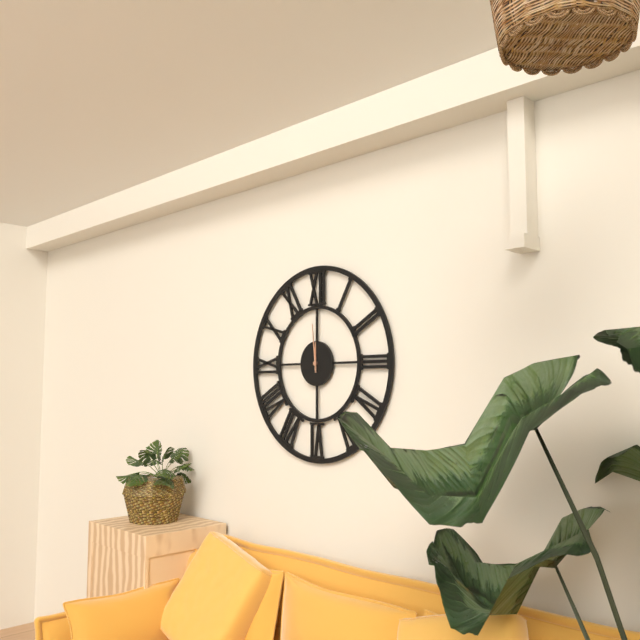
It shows 11:59
